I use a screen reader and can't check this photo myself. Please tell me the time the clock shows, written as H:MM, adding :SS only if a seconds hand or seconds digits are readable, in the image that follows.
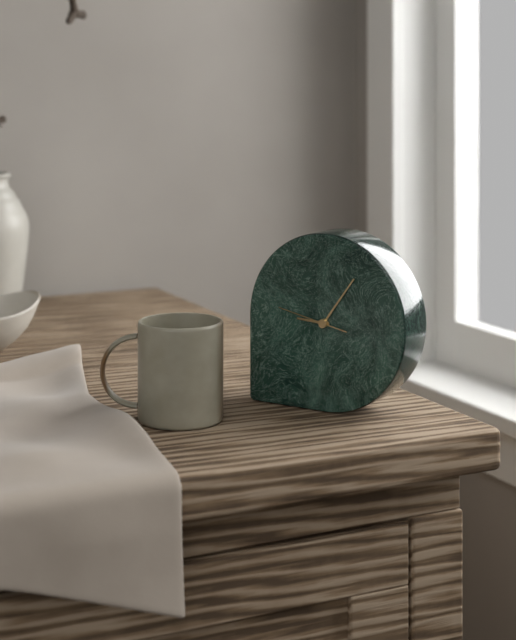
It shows 9:06:47
